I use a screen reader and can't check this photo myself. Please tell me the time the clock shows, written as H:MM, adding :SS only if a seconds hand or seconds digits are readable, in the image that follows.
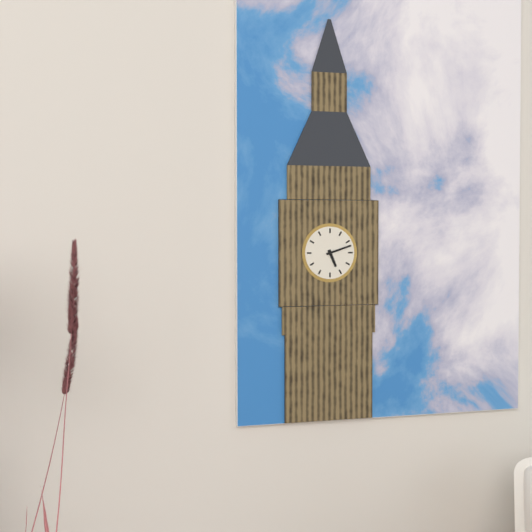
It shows 5:12
